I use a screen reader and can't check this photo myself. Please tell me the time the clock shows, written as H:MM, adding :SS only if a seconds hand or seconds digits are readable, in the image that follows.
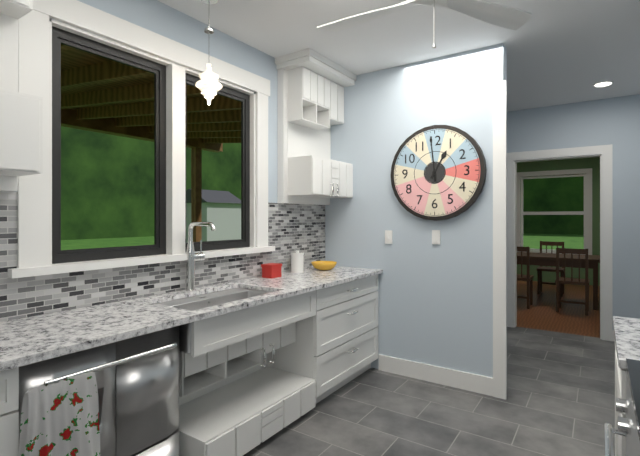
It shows 12:59
